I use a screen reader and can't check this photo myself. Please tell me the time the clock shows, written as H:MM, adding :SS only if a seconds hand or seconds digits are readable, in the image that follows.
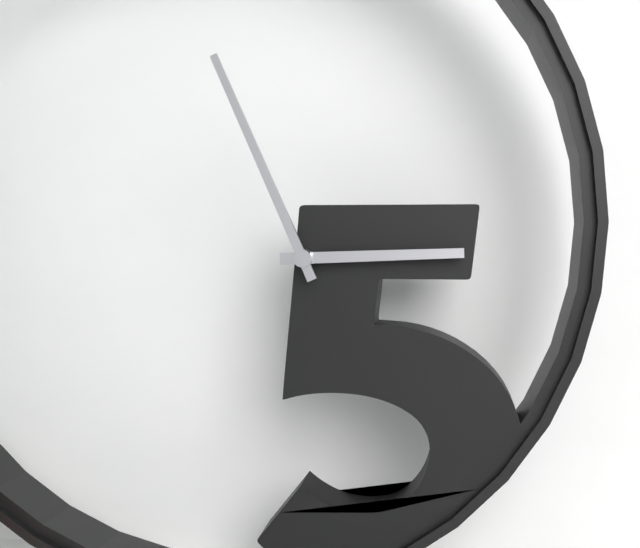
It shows 2:56
